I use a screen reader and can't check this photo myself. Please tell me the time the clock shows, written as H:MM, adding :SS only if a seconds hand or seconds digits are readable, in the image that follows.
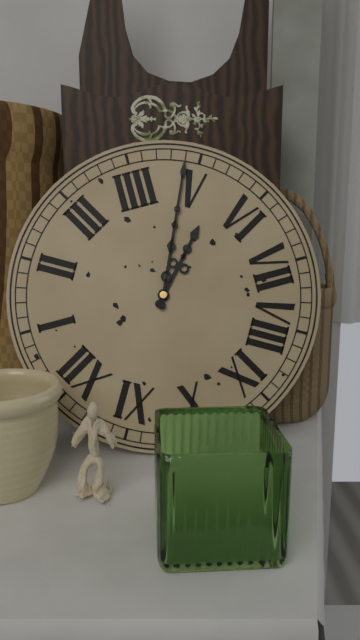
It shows 5:24
